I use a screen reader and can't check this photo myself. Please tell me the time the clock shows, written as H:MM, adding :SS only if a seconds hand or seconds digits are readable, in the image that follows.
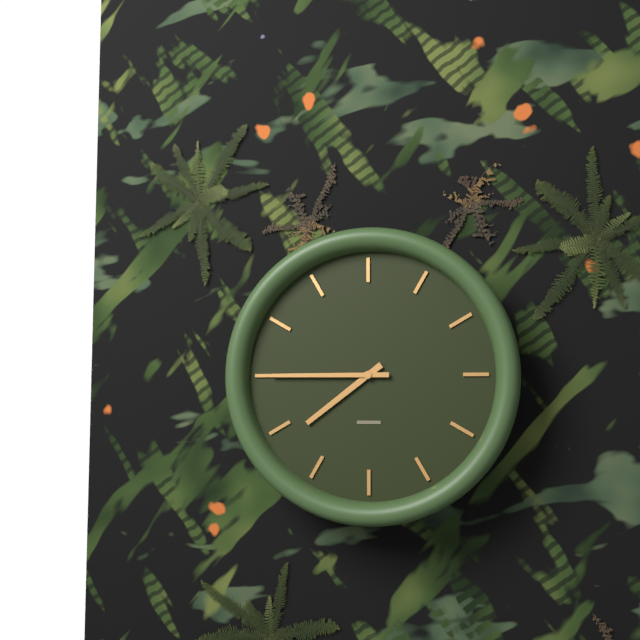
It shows 7:45
